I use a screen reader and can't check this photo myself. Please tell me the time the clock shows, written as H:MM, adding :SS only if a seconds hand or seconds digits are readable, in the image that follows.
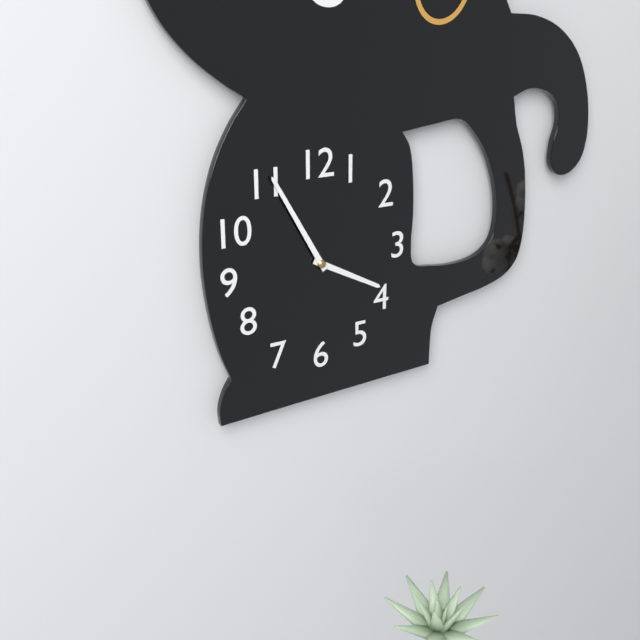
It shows 3:55
